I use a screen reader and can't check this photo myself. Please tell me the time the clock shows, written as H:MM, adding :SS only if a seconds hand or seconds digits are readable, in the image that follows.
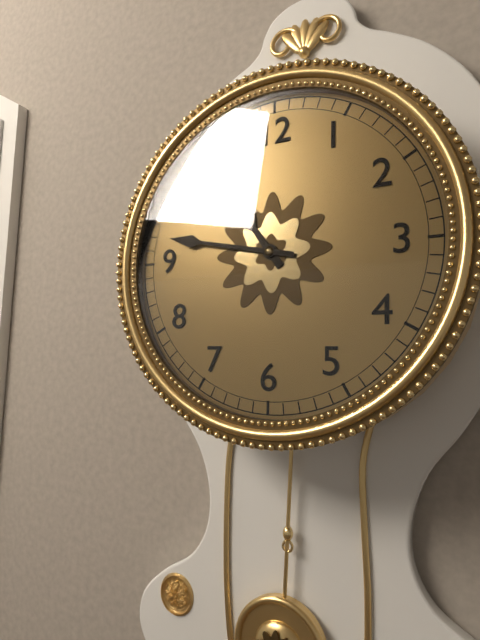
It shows 10:47
